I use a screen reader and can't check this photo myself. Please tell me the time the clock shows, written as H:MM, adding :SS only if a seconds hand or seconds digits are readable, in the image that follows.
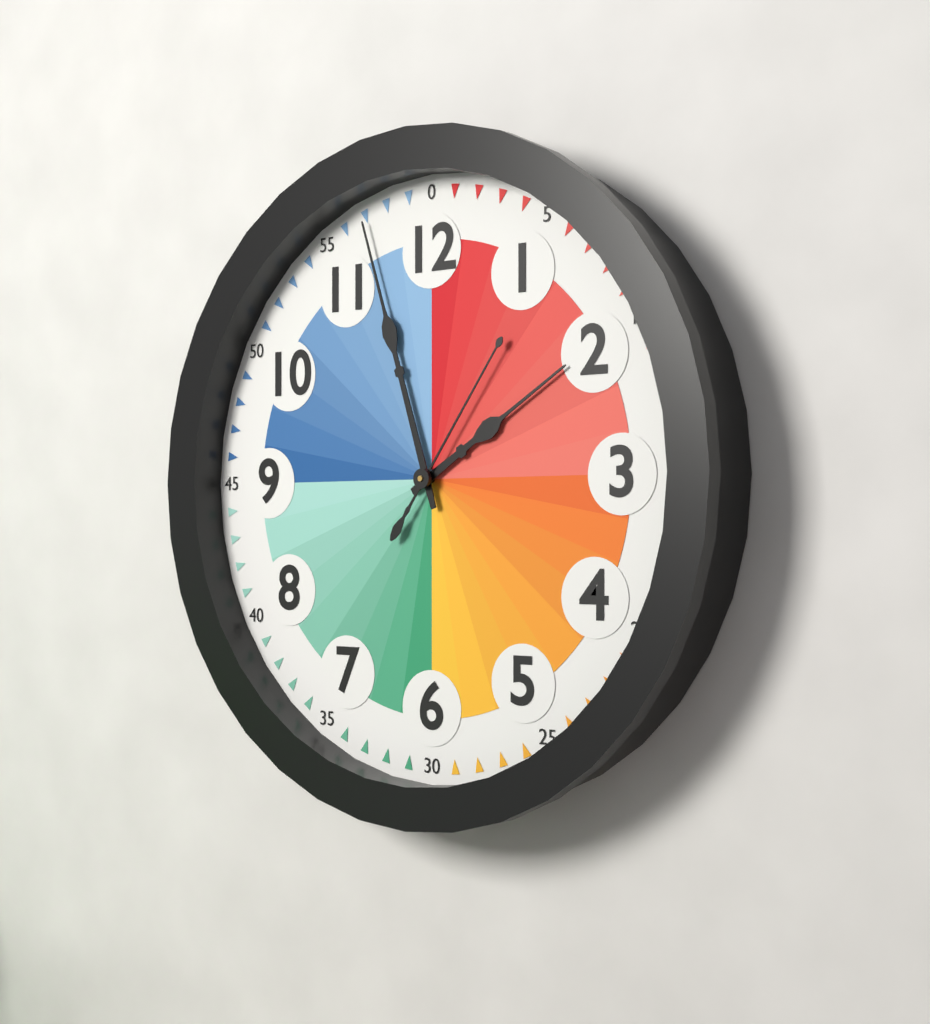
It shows 1:57:06
